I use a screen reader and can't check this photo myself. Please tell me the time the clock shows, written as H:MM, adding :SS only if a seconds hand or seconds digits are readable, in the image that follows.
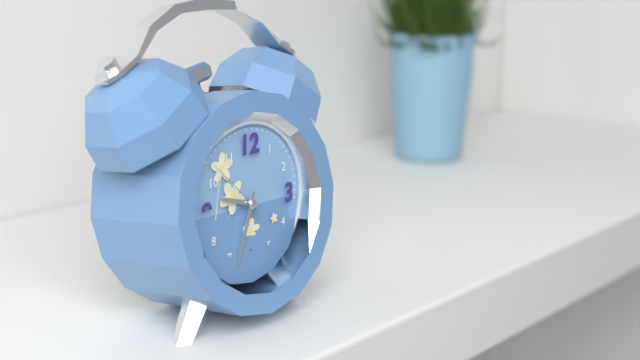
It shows 9:33:52
